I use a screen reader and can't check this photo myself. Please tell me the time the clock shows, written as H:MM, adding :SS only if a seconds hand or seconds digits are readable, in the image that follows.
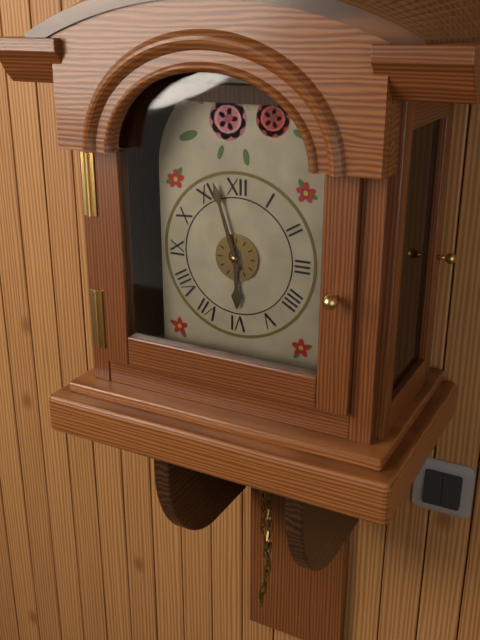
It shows 5:57
